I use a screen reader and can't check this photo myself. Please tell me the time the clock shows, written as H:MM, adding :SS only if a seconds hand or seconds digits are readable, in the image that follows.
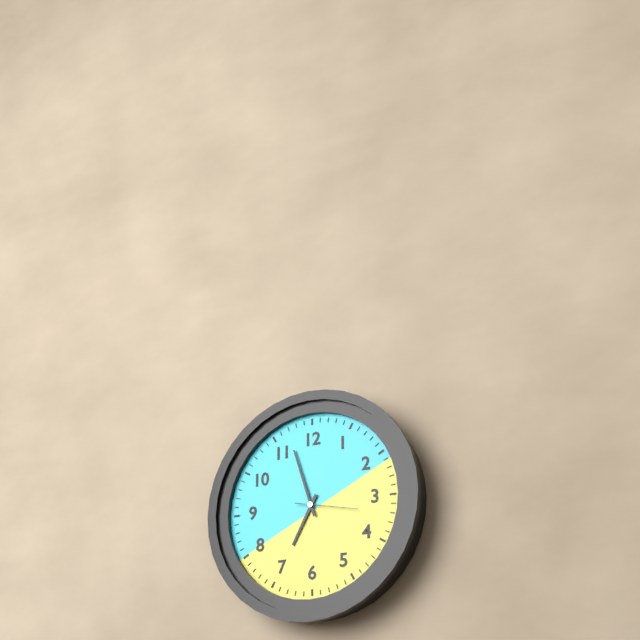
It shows 6:57:17
